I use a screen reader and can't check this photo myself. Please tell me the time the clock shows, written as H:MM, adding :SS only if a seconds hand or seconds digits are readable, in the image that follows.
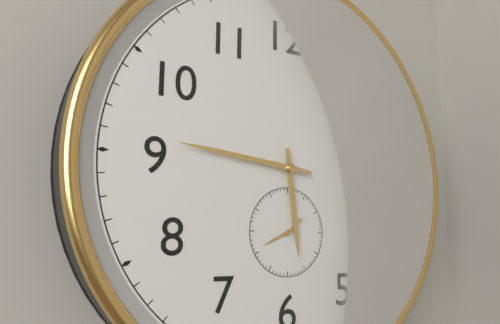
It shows 5:46
